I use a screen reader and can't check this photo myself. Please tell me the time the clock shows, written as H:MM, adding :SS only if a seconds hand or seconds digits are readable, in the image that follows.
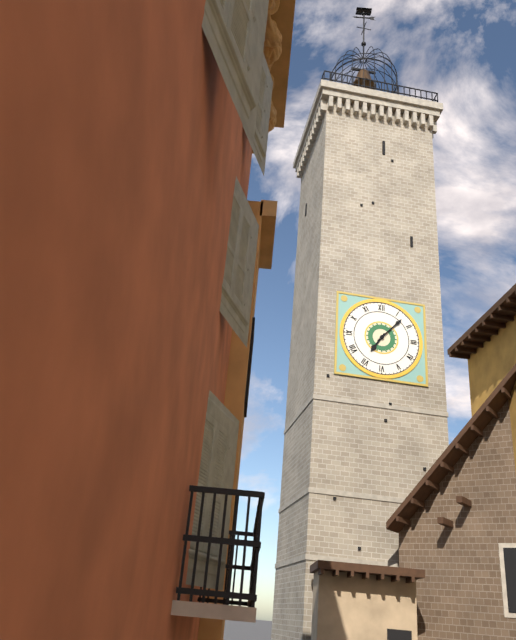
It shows 7:07
